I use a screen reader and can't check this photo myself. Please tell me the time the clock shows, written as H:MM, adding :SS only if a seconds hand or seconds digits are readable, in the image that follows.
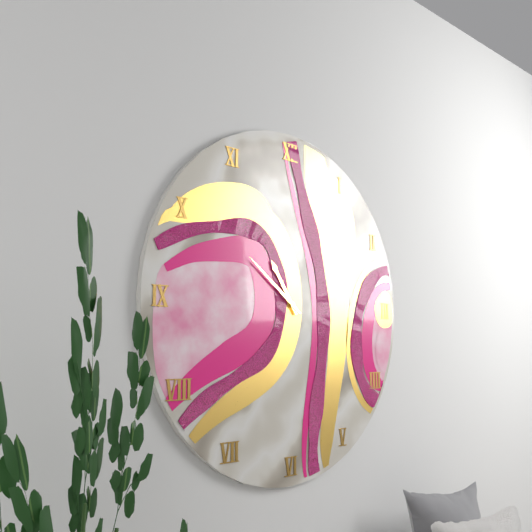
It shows 10:51
